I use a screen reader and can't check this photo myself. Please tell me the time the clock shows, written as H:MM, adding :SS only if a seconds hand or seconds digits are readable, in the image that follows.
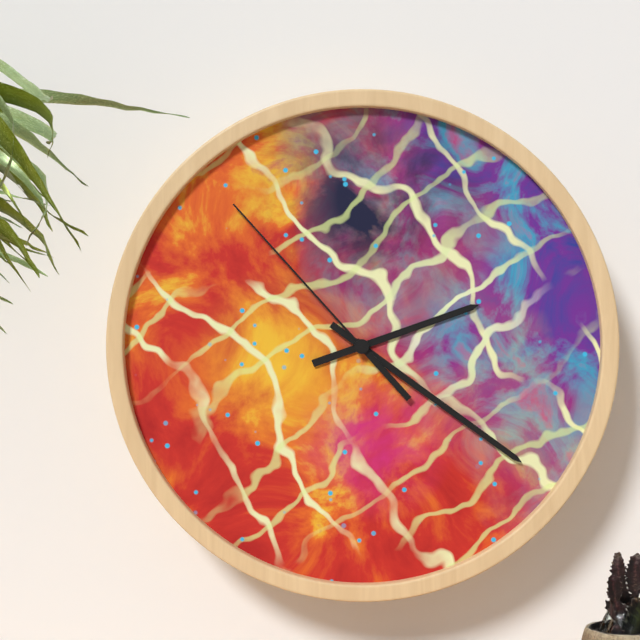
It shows 2:21:53
